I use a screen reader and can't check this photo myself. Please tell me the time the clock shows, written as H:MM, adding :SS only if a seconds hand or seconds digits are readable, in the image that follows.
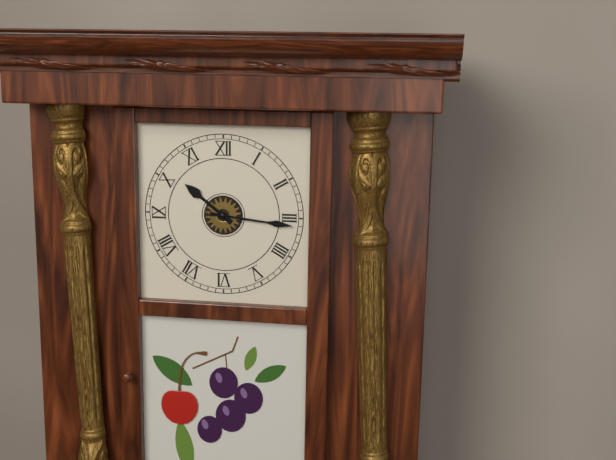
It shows 10:16
